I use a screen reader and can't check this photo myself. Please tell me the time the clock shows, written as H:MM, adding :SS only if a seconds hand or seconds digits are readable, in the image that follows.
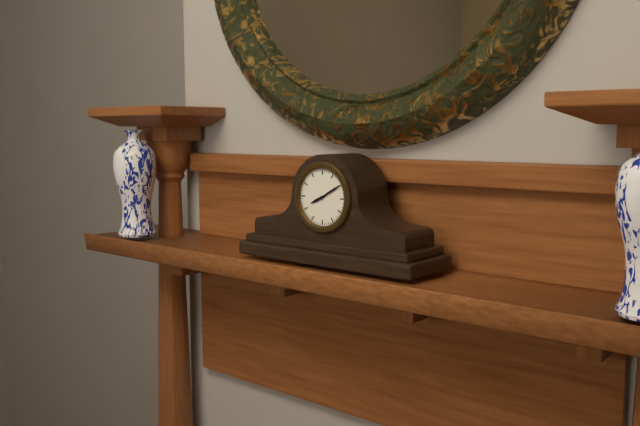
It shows 8:10
